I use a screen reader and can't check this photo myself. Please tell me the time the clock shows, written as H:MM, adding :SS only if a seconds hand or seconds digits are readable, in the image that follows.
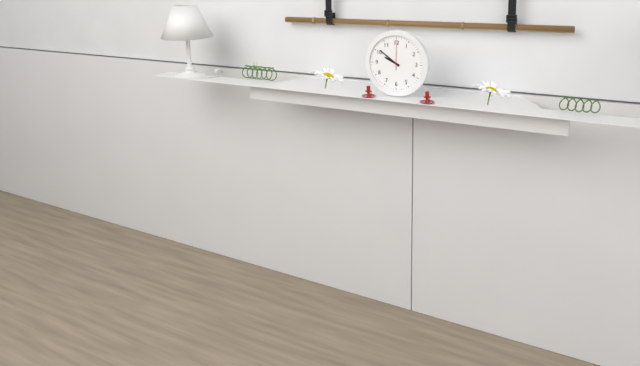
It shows 9:51
